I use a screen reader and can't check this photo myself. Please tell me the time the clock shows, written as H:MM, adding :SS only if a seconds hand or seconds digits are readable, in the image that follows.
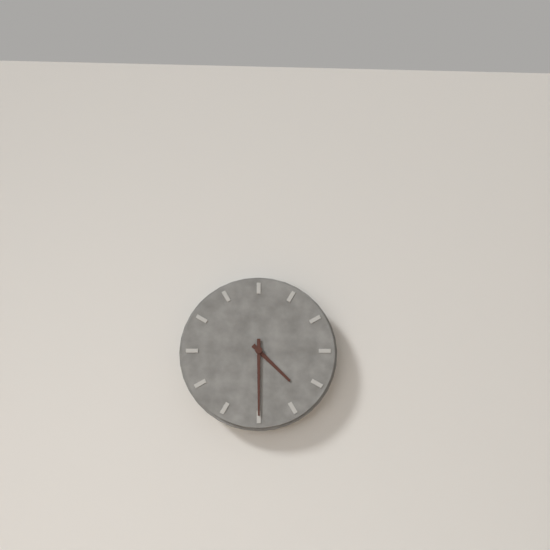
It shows 4:30
